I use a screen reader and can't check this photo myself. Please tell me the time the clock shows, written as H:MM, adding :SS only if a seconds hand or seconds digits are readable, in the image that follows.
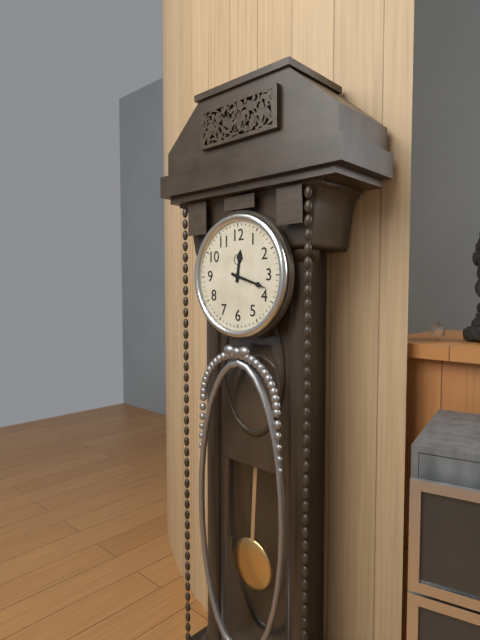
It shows 12:18
